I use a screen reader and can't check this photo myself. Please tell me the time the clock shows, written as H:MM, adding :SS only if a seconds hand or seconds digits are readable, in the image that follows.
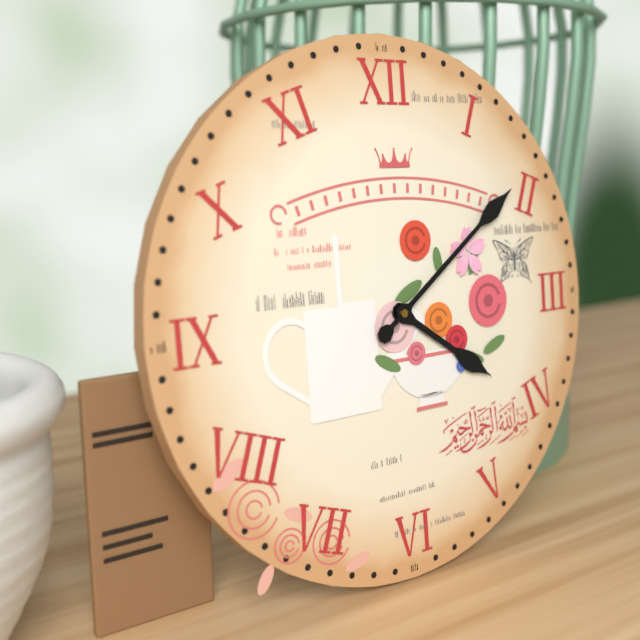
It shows 4:09
